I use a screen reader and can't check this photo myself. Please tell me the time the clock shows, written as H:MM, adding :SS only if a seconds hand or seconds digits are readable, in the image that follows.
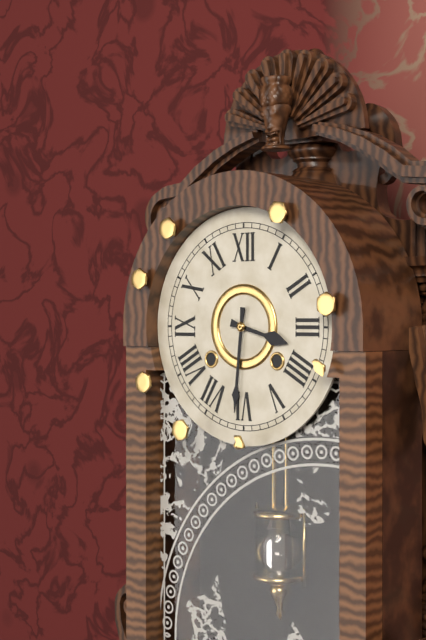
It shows 3:31
